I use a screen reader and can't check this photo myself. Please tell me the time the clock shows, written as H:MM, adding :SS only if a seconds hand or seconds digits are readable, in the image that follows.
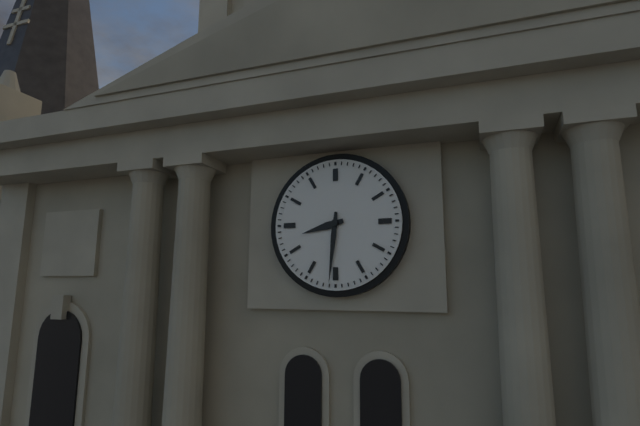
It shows 8:31
